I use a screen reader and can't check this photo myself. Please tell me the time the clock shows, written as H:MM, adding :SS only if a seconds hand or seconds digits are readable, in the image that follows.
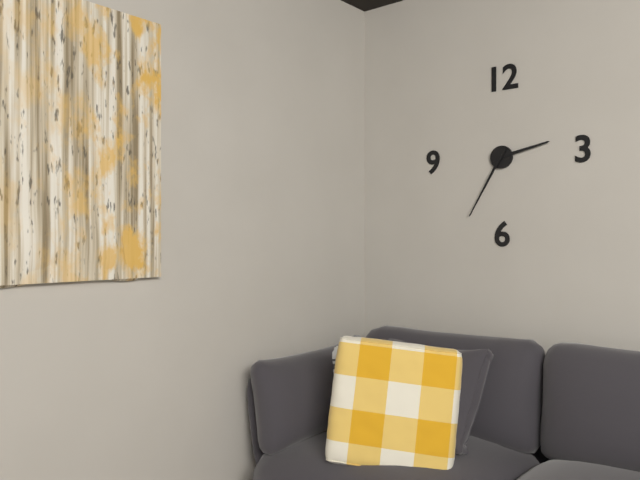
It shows 2:35
